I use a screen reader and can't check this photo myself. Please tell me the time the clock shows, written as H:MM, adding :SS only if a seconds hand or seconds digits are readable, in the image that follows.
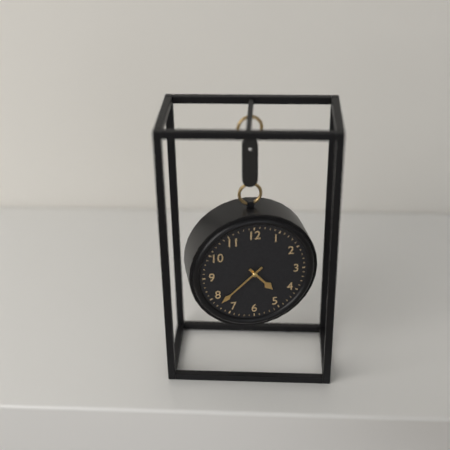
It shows 4:38
